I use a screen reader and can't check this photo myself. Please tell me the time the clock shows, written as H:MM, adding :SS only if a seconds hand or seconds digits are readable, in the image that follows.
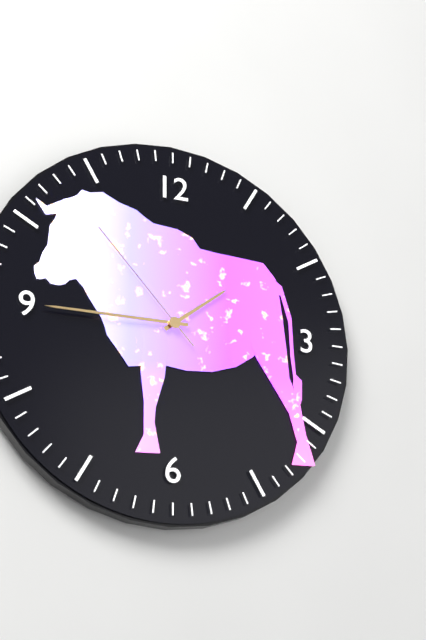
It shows 1:45:53
